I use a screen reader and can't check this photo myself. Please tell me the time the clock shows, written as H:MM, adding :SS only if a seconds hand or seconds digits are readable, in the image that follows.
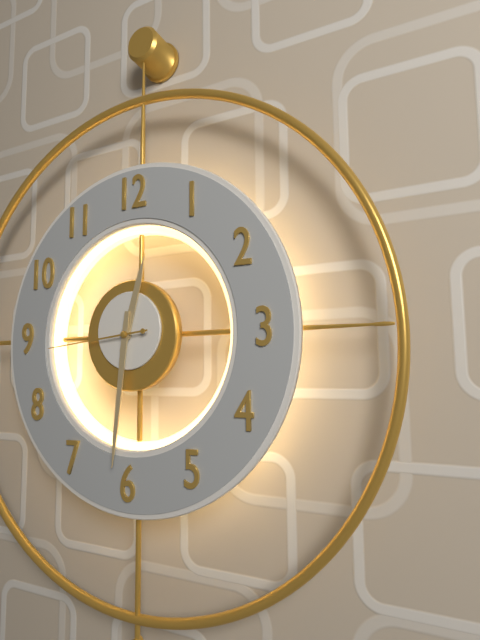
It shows 12:31:44
